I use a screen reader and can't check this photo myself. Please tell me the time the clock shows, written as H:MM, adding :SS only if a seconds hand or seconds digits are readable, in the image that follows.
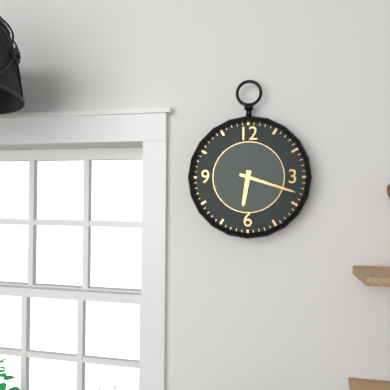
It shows 6:18
